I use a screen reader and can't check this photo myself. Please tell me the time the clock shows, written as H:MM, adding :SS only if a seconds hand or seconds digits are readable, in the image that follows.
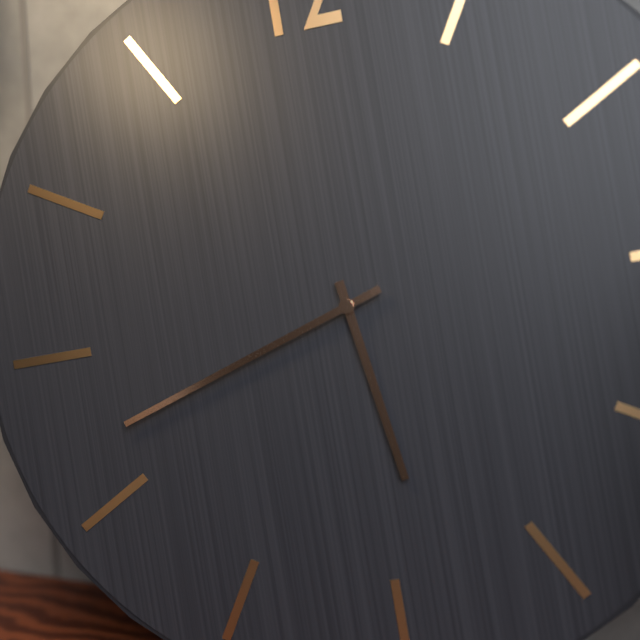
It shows 5:42
